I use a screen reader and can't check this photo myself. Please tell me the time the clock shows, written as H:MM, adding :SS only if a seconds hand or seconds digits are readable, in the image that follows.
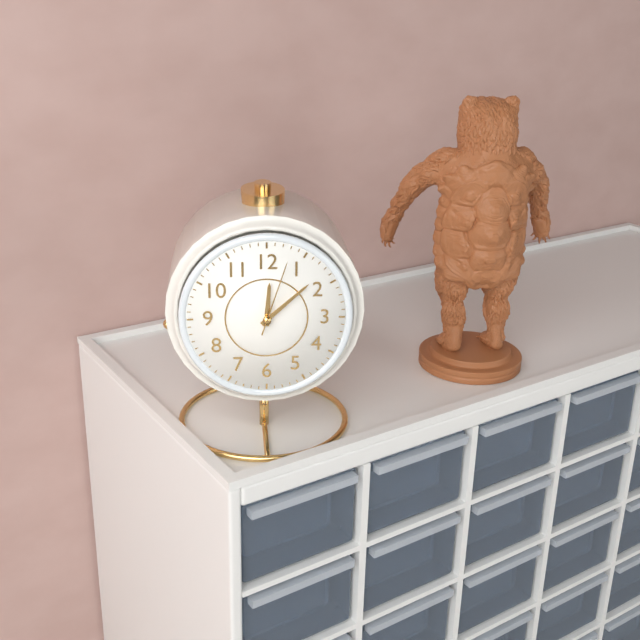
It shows 12:08:03
